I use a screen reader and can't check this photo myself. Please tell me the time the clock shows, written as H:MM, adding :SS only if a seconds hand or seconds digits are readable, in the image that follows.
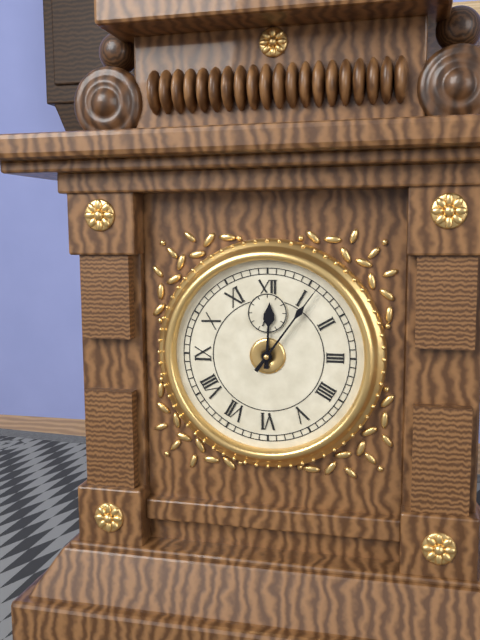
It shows 12:06
